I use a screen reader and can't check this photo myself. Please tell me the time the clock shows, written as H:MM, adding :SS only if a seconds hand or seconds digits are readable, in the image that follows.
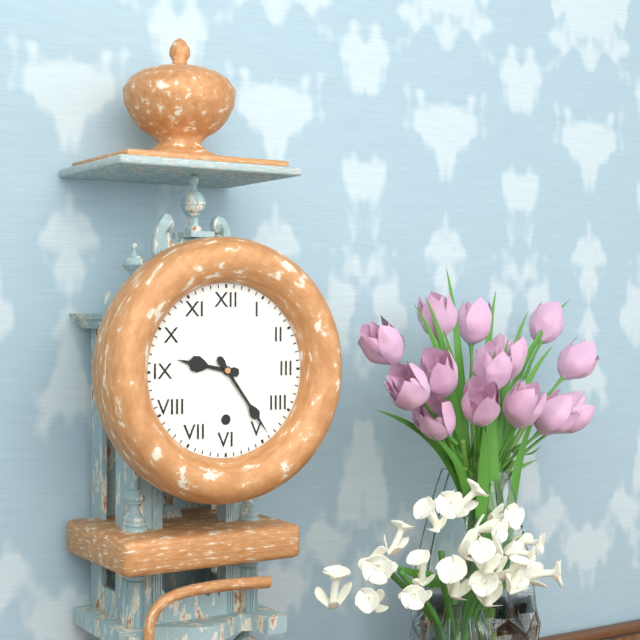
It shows 9:24
